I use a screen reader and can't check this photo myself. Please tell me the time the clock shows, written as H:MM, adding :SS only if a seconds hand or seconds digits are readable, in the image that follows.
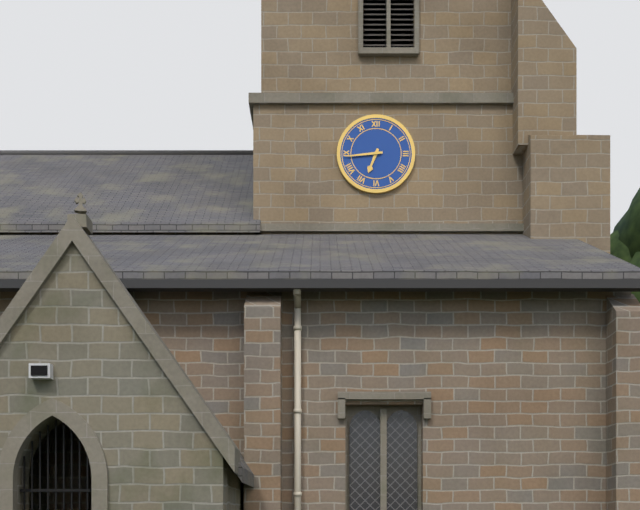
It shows 6:44
